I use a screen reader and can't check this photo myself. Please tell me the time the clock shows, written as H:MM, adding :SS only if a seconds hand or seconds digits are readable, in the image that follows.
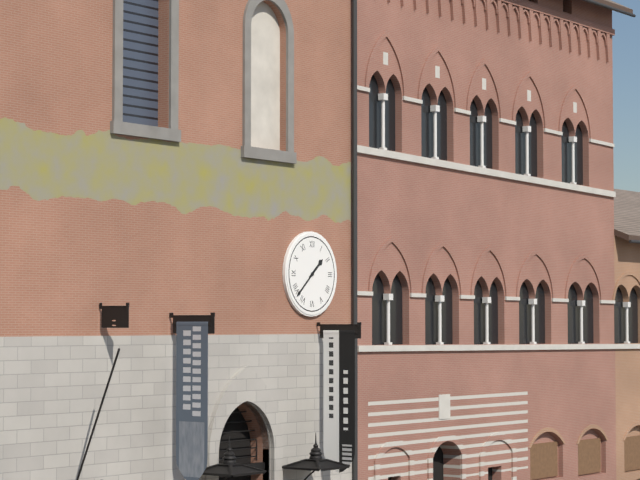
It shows 1:38
